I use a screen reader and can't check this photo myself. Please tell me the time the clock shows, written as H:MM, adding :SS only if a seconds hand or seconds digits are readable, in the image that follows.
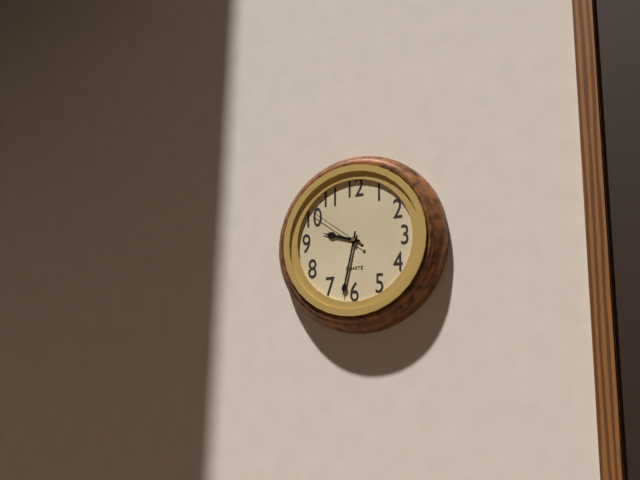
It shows 9:32:51
